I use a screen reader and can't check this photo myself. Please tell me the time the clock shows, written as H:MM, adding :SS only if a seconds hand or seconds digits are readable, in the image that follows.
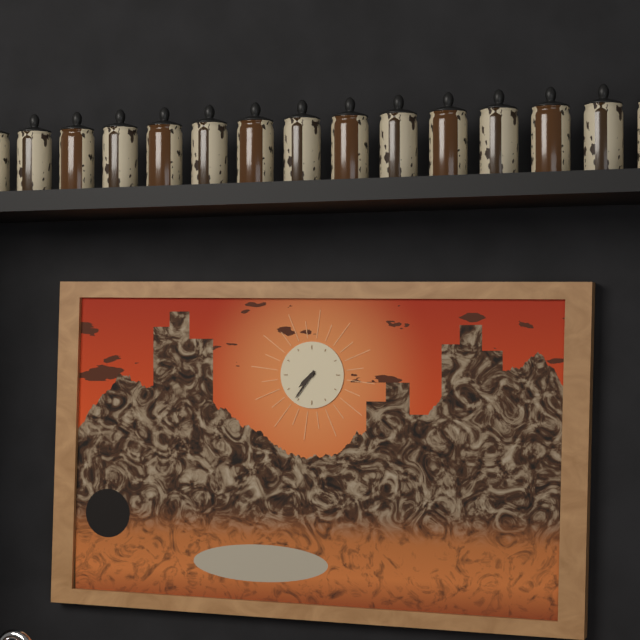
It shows 7:36
